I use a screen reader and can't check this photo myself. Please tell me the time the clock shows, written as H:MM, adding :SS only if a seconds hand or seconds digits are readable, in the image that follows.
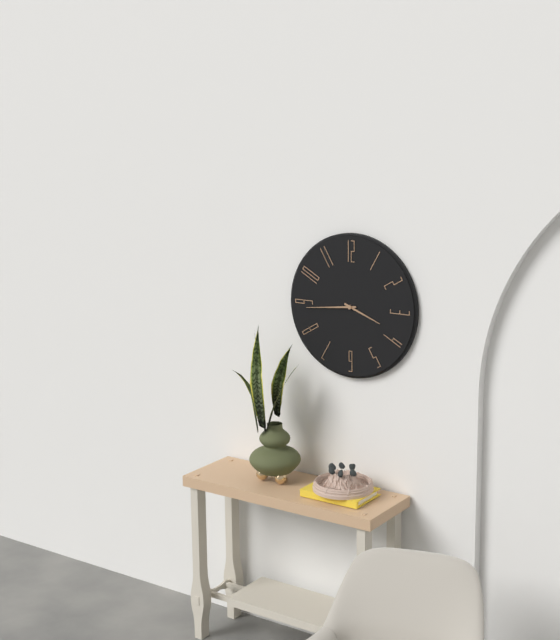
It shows 3:44
